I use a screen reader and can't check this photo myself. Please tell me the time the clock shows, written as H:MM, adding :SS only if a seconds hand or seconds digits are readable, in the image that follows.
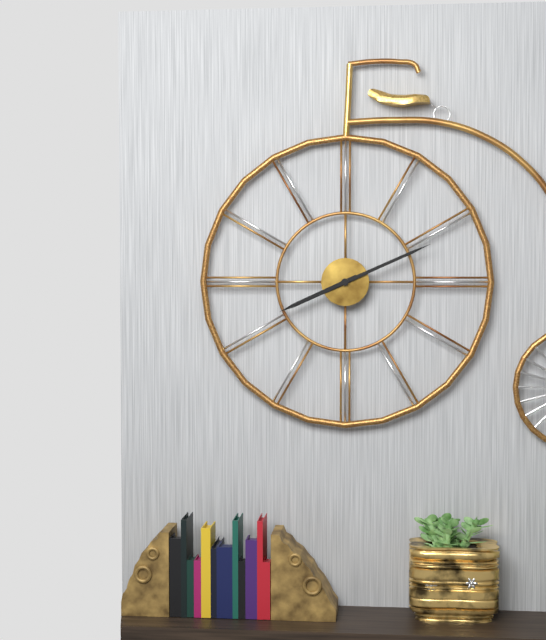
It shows 8:11
